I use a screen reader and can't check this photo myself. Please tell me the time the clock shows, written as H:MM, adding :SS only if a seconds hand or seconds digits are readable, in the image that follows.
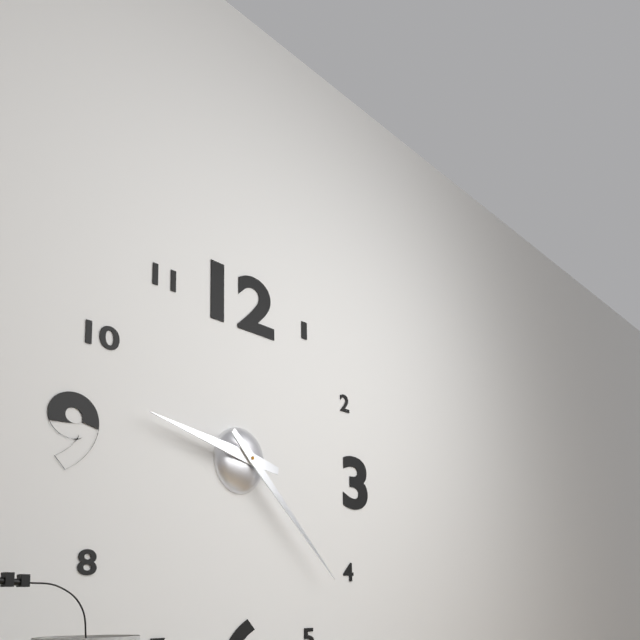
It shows 9:22
